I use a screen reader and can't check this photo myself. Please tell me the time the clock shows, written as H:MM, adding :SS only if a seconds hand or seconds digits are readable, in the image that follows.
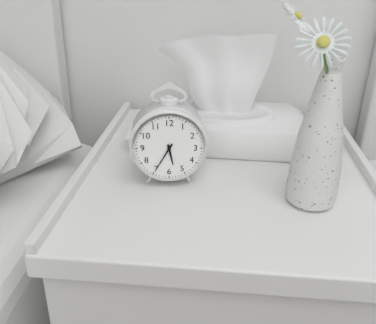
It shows 5:35
